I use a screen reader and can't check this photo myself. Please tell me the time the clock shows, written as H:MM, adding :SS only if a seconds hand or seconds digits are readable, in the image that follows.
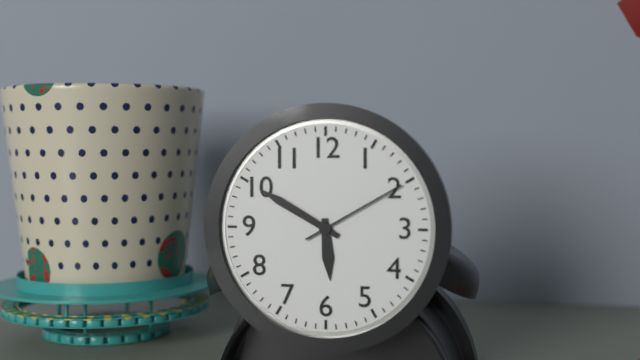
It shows 5:50:10
